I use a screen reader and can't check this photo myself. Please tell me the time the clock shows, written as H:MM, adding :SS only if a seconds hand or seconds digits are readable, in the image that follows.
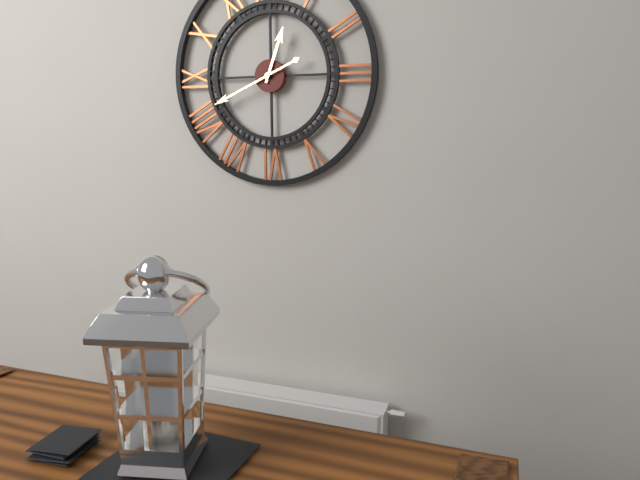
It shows 12:41
